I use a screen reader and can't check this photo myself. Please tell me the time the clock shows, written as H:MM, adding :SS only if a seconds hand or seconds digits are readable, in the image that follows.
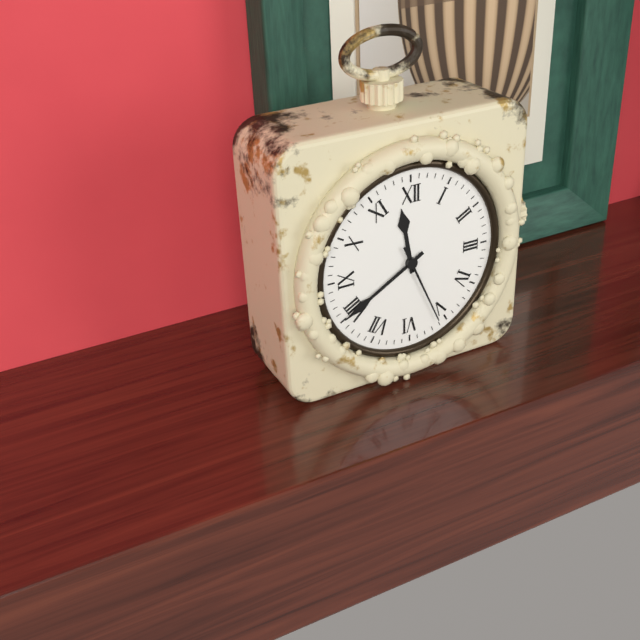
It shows 11:40:26
